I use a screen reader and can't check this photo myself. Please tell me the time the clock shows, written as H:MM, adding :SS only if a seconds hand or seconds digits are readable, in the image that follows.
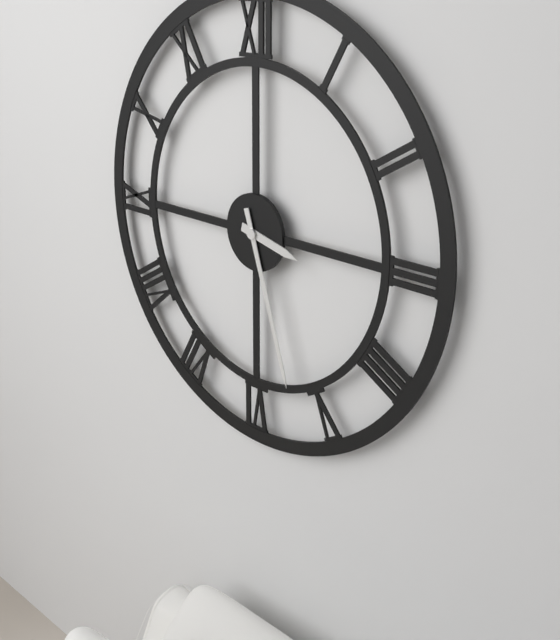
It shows 3:27
